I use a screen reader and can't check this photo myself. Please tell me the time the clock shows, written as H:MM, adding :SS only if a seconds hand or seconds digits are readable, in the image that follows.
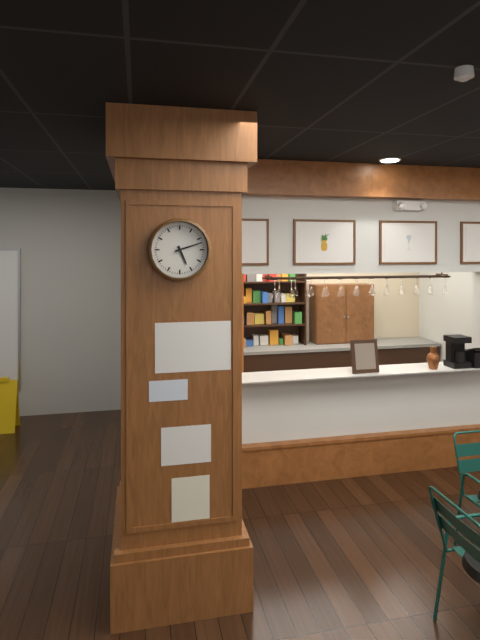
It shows 5:12
